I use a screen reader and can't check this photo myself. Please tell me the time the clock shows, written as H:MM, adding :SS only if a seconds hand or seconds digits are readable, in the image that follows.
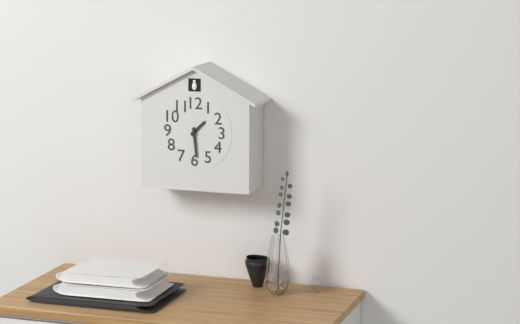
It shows 1:29
